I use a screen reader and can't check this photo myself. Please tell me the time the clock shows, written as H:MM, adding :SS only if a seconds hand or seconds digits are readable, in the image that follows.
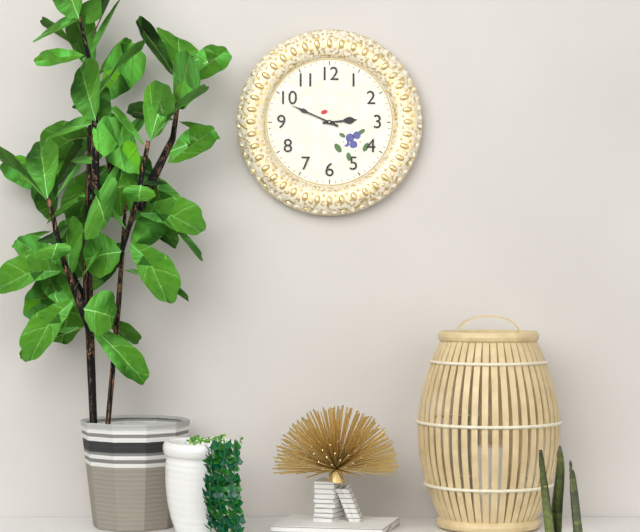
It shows 2:49
